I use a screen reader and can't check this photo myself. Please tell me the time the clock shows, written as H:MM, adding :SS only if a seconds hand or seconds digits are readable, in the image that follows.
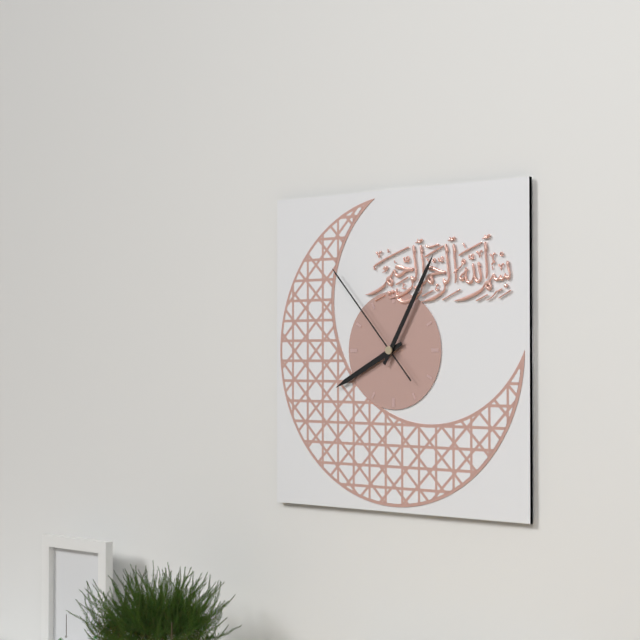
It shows 8:05:53
